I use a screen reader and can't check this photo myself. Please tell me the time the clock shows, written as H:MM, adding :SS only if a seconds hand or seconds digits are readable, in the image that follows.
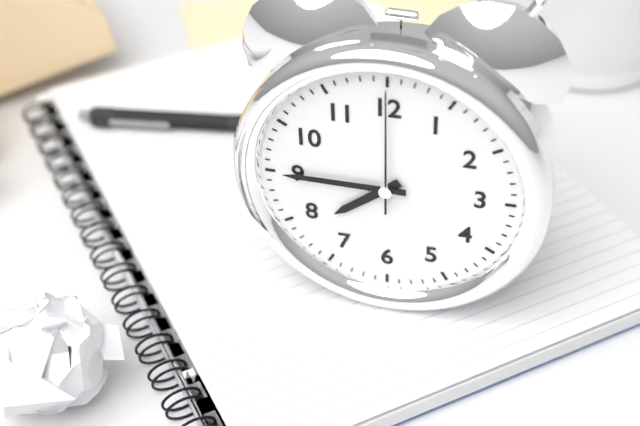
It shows 7:45:00
